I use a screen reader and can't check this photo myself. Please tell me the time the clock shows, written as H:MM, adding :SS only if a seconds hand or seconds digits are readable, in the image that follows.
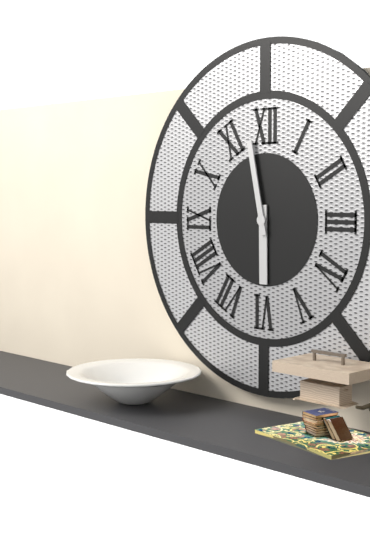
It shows 5:58
